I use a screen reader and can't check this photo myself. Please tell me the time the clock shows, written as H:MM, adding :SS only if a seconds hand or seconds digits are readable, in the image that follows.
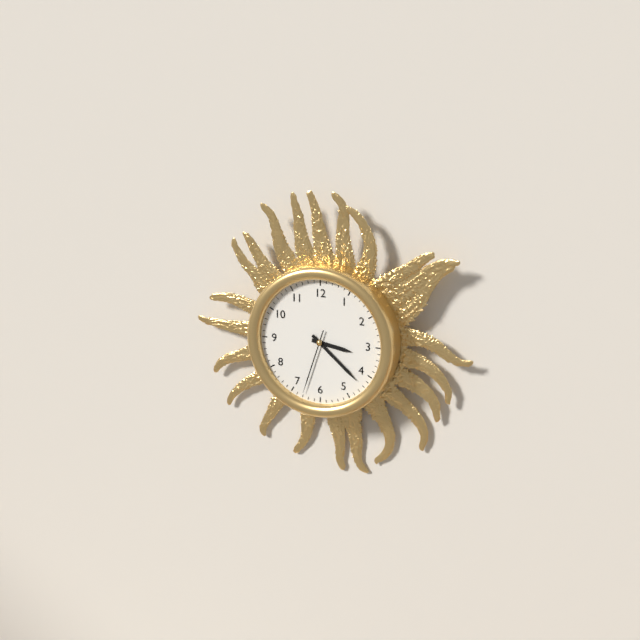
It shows 3:22:33
